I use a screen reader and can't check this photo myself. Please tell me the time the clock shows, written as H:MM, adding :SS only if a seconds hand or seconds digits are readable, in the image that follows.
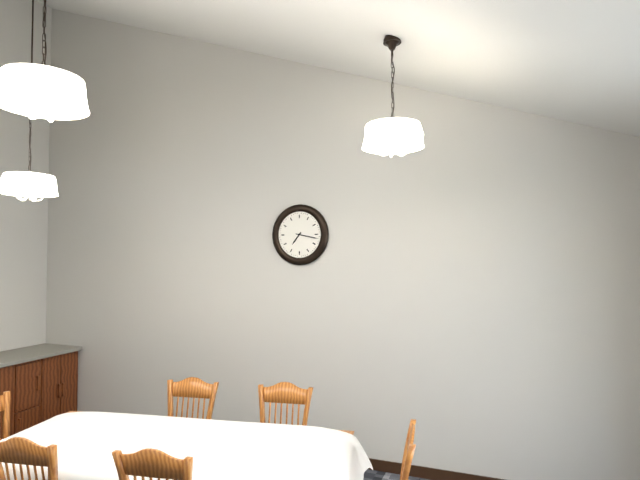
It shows 7:17
